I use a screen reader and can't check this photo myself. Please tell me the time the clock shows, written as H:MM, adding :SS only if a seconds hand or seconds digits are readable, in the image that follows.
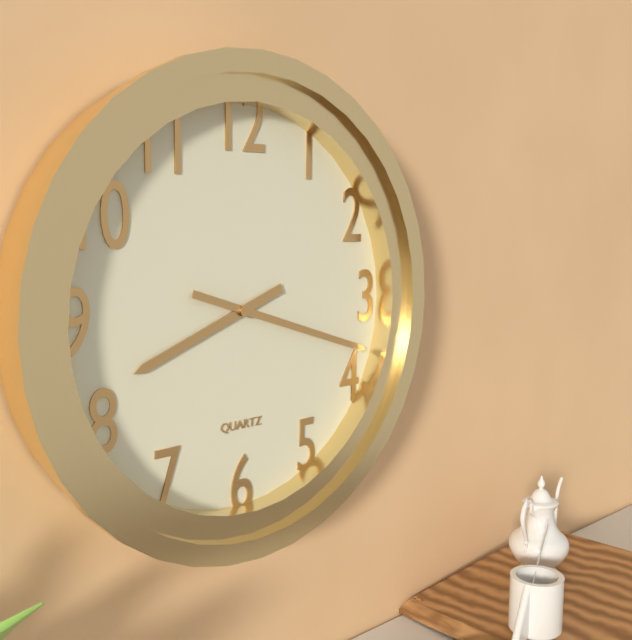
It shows 8:18
